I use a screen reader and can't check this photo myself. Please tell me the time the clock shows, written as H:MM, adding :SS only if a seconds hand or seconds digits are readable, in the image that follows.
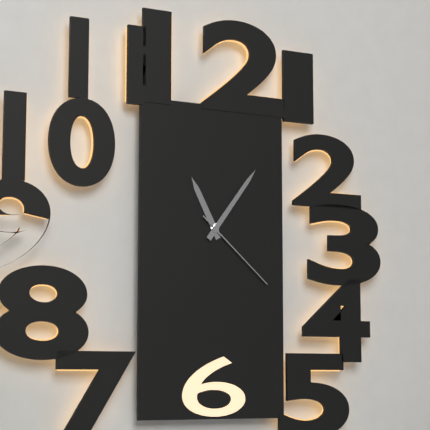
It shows 11:06:22
